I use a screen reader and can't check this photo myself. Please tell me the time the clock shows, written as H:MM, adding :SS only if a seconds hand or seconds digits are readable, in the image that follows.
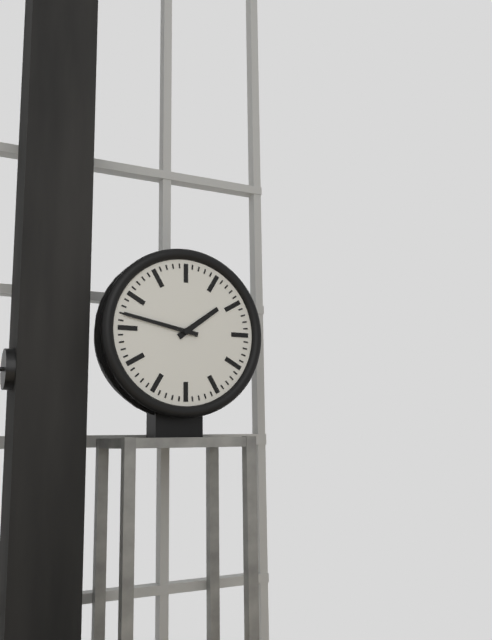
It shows 1:47
